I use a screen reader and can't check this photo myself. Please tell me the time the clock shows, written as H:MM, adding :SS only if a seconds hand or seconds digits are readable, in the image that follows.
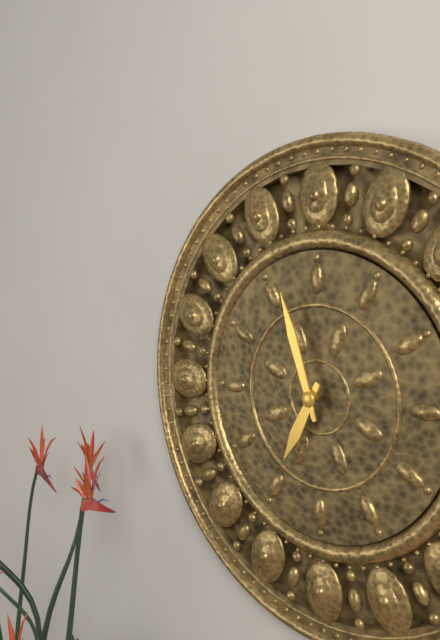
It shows 6:57
